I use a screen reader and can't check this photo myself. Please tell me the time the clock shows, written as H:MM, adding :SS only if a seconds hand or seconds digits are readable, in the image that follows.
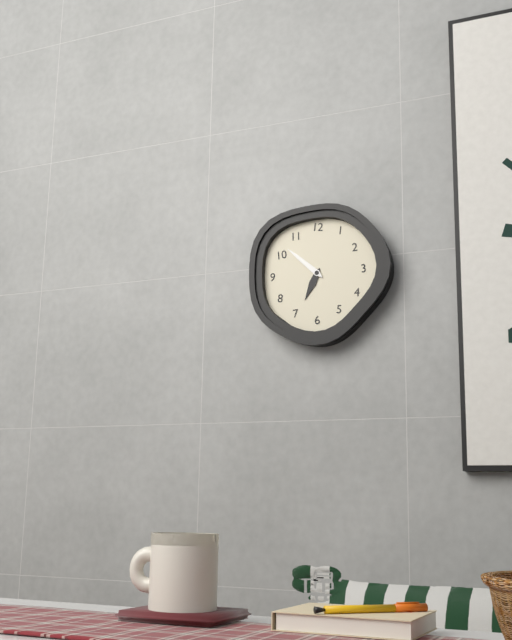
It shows 6:52
